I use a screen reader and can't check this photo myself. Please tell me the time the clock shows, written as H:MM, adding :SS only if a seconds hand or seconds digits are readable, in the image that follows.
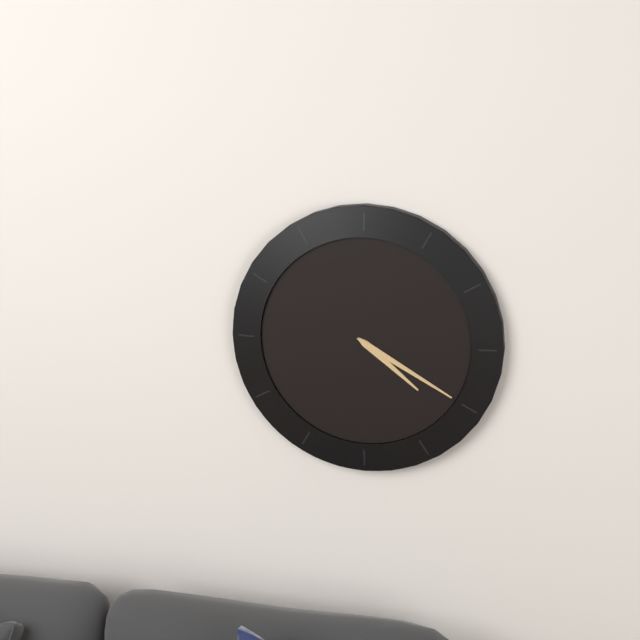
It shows 4:20
